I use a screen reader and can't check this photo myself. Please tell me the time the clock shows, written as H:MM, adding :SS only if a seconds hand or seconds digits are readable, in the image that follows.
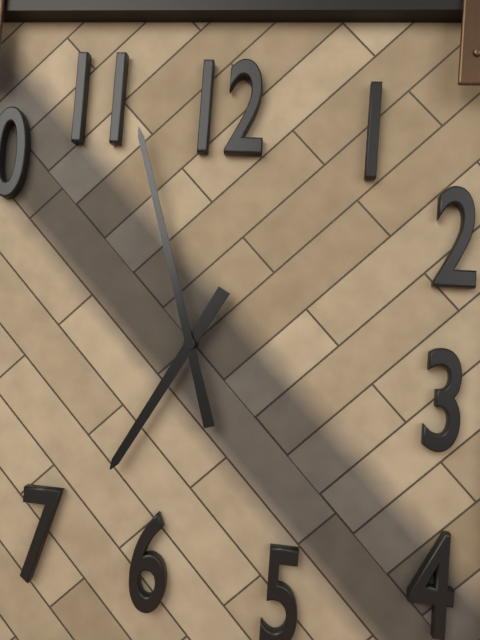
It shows 6:57
